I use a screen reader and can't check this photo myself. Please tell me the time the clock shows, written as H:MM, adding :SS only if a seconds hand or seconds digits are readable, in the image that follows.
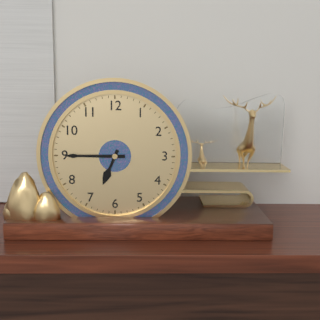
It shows 6:45
